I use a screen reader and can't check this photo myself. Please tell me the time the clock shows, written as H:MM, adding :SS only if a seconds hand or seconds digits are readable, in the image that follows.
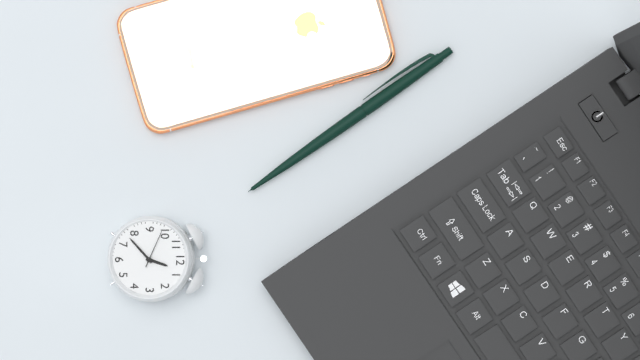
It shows 12:38
